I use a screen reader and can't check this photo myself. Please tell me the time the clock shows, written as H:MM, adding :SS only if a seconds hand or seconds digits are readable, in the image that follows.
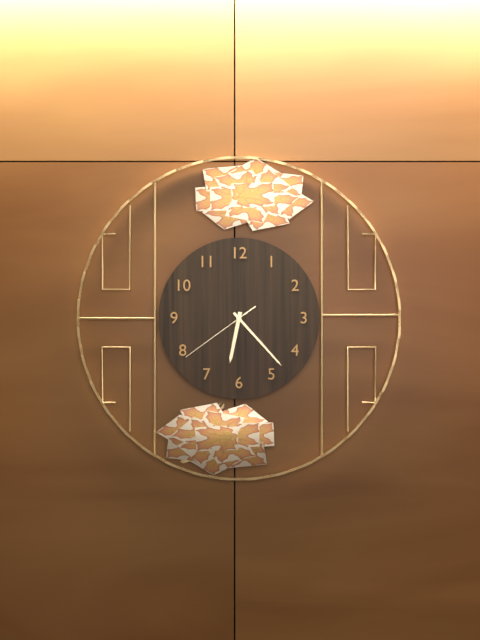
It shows 6:23:39
